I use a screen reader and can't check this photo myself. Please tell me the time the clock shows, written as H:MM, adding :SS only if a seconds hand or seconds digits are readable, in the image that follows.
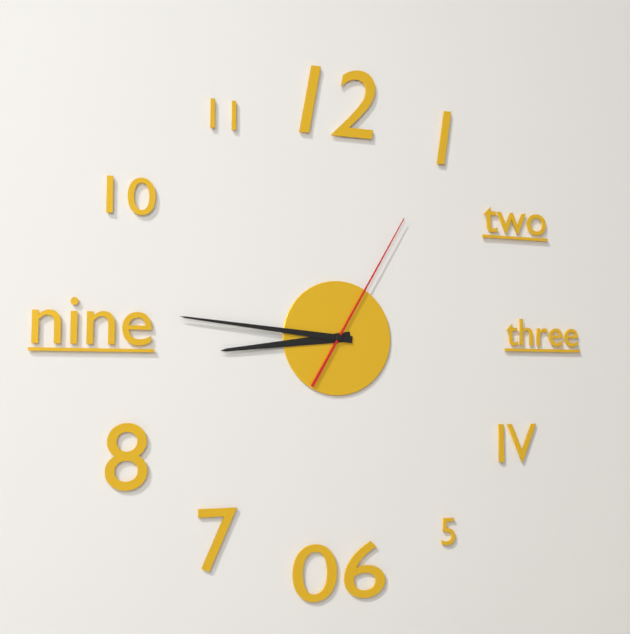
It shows 8:46:05
